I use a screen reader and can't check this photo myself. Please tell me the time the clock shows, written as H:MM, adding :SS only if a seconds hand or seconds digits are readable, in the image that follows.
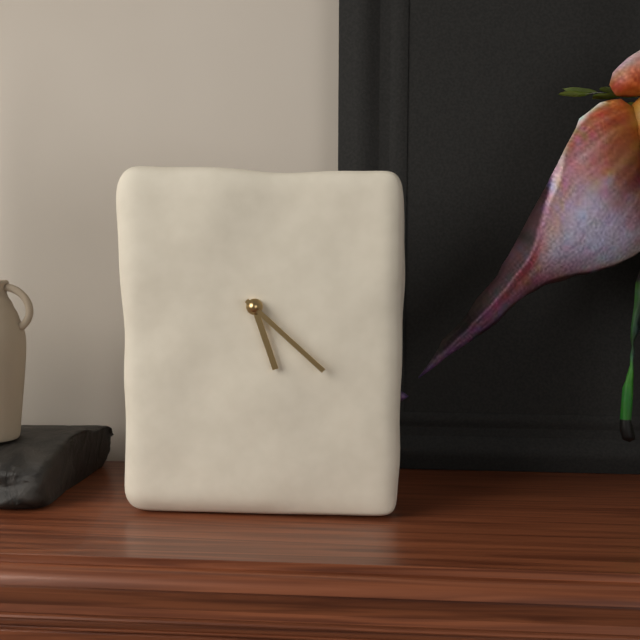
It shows 5:22
